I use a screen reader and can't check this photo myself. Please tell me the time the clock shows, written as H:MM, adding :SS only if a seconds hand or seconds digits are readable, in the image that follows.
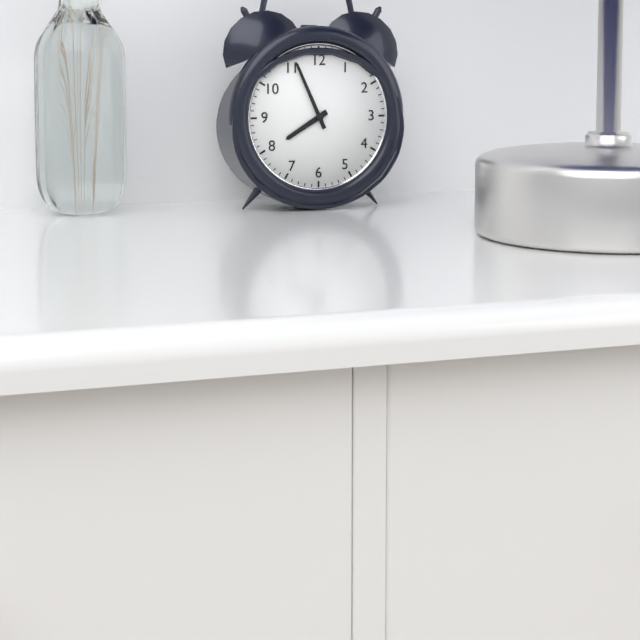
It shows 7:56
